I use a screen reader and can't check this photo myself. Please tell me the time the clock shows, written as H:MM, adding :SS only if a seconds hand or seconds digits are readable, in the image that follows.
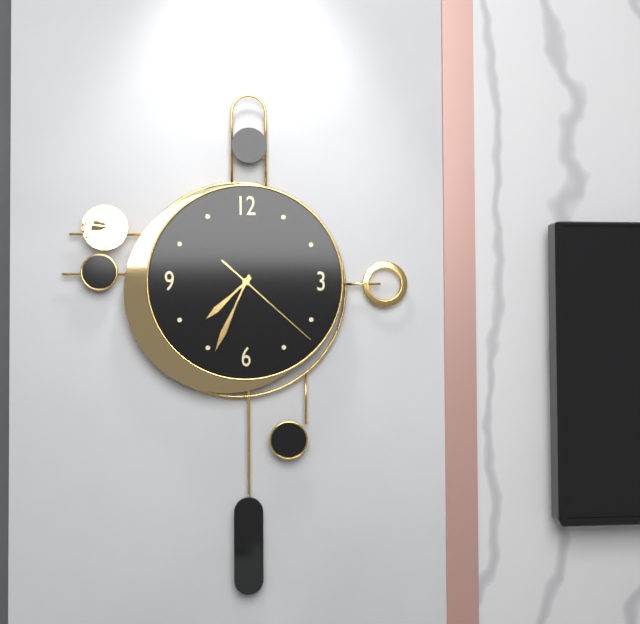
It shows 7:34:22
